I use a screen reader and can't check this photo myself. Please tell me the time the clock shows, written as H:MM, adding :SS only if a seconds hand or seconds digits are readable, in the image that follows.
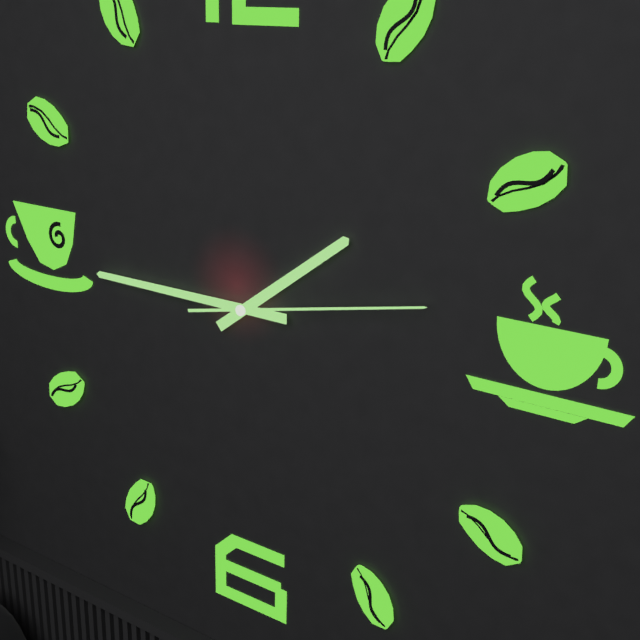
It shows 1:45:13
